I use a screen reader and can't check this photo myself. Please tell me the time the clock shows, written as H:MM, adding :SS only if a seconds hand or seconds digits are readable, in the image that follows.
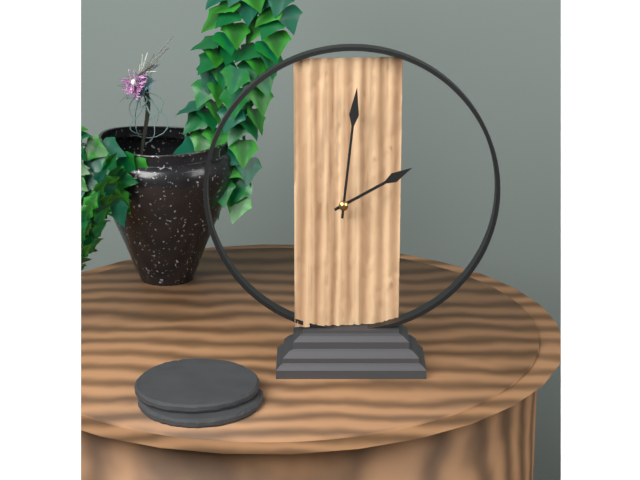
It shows 2:01
